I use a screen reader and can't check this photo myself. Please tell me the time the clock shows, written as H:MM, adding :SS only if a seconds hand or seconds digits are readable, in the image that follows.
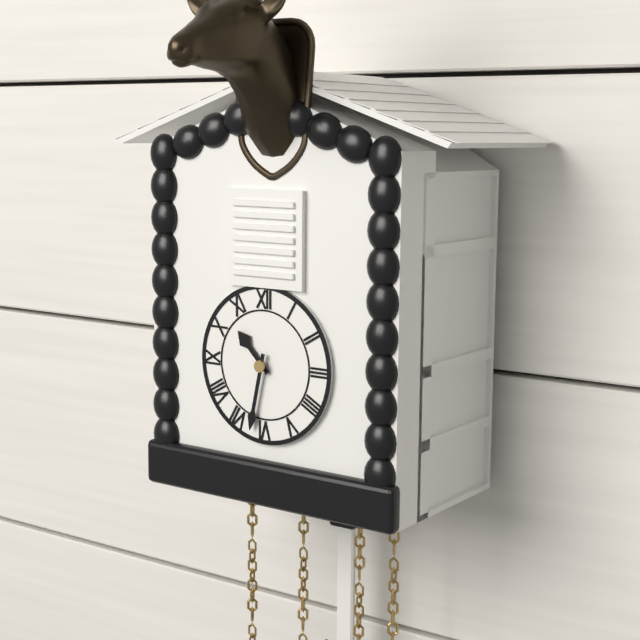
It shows 10:32
